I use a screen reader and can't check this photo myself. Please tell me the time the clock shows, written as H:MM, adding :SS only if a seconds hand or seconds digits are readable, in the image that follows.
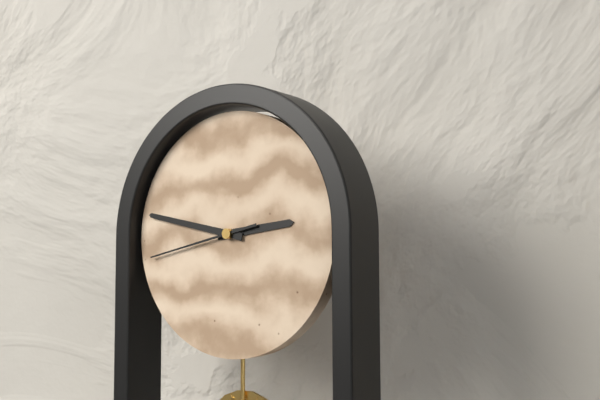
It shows 2:47:43
